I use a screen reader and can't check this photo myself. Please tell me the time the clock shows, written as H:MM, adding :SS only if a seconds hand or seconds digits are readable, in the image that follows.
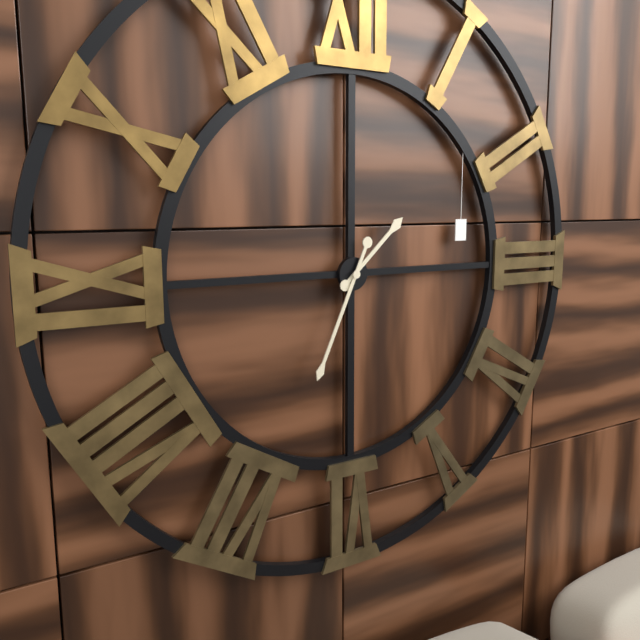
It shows 1:34
